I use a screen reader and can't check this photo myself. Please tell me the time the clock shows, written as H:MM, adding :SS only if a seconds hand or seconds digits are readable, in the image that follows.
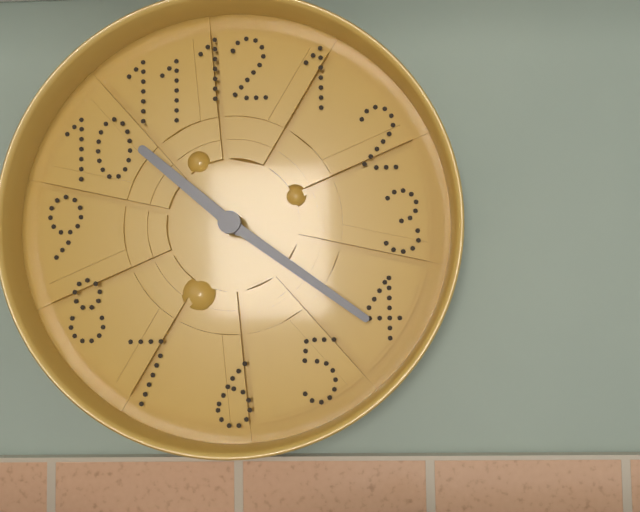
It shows 10:21
